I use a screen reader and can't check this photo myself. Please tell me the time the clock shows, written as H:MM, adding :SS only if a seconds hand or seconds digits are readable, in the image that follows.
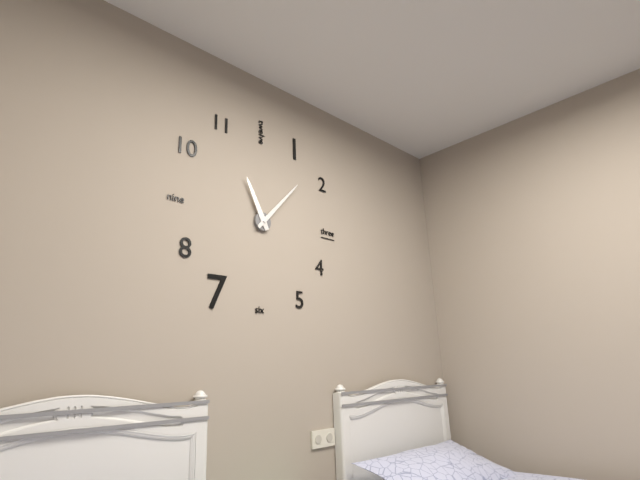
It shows 11:07
